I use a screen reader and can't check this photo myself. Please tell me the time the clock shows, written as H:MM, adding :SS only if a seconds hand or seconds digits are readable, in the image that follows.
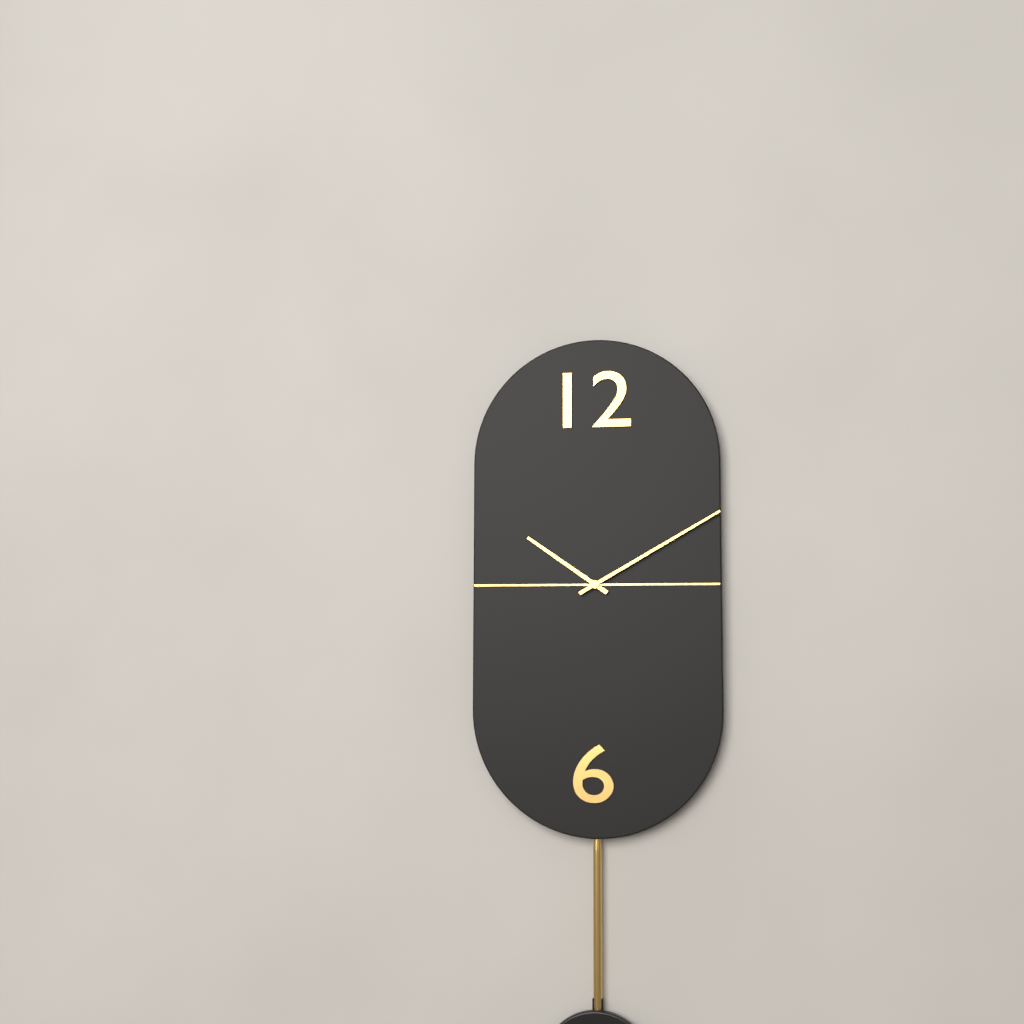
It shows 10:10
